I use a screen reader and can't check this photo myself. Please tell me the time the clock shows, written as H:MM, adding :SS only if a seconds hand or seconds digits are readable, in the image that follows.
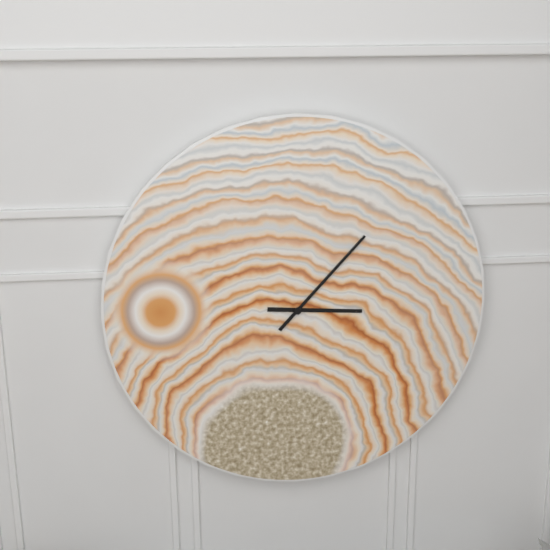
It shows 3:07
